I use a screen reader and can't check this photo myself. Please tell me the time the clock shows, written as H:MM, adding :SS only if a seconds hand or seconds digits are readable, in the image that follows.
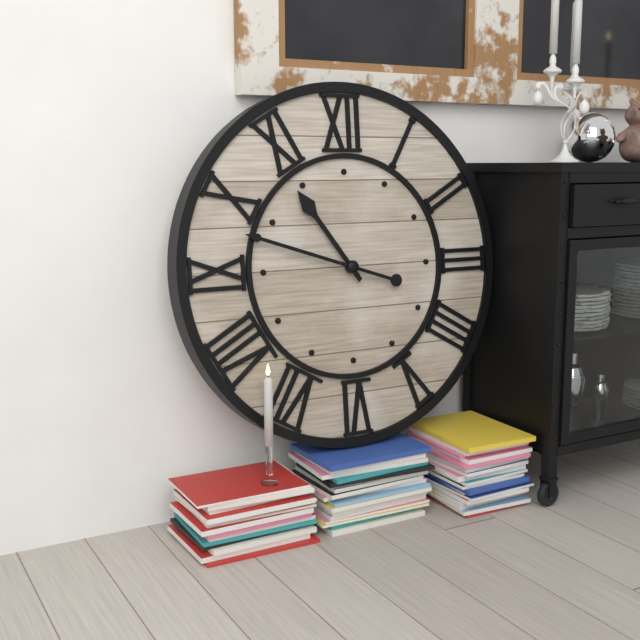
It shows 10:48
